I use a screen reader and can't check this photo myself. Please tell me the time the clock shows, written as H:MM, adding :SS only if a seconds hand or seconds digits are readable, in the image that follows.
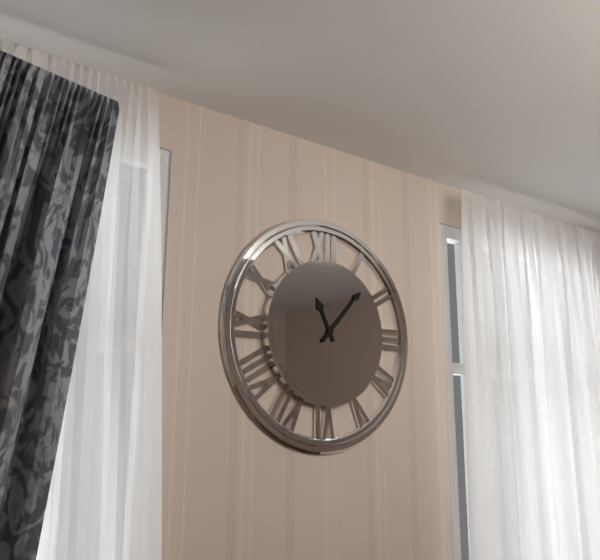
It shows 11:07
